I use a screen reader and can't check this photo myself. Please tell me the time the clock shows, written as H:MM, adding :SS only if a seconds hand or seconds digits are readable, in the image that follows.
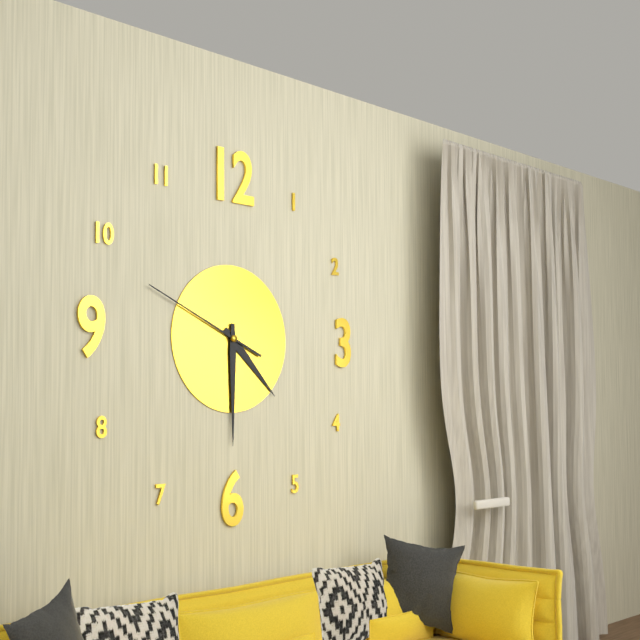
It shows 4:30:49
